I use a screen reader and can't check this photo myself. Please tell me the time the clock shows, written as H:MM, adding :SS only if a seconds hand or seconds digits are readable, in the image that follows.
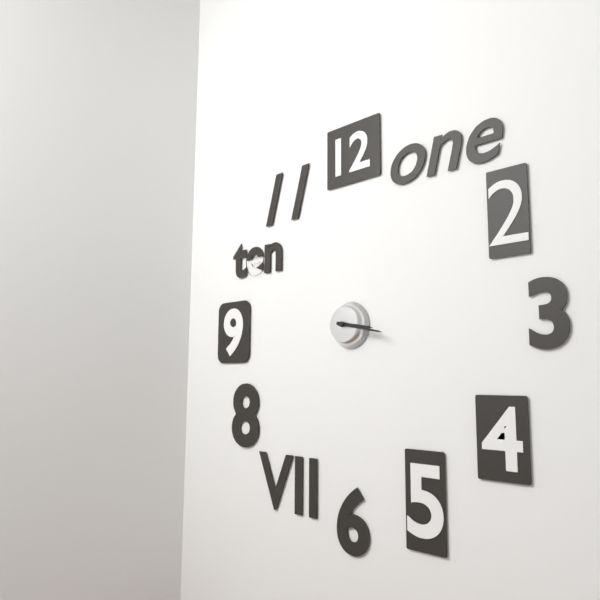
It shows 3:17
